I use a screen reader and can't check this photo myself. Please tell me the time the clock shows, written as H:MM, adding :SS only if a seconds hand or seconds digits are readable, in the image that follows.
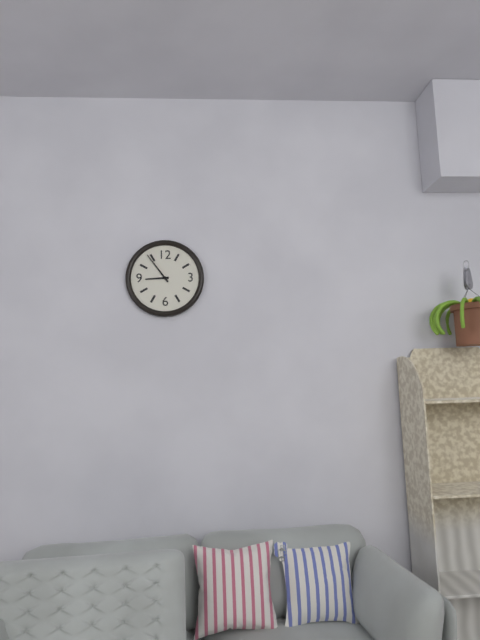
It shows 8:54
